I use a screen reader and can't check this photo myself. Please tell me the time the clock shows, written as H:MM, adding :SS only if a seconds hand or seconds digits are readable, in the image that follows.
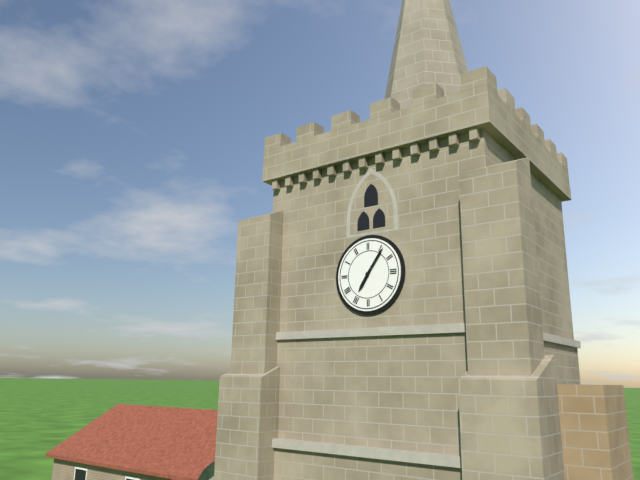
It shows 7:06
